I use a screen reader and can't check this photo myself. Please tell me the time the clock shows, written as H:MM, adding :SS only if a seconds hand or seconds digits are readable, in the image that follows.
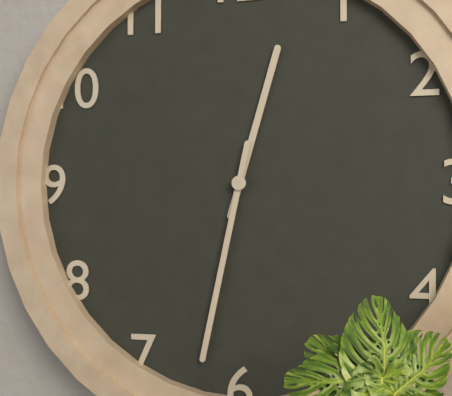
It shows 12:32
